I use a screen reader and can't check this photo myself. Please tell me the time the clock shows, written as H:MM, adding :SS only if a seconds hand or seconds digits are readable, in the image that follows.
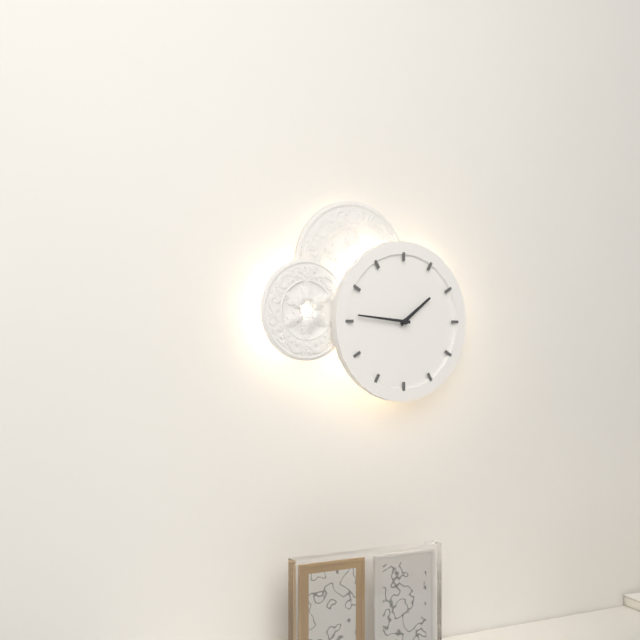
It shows 1:46
